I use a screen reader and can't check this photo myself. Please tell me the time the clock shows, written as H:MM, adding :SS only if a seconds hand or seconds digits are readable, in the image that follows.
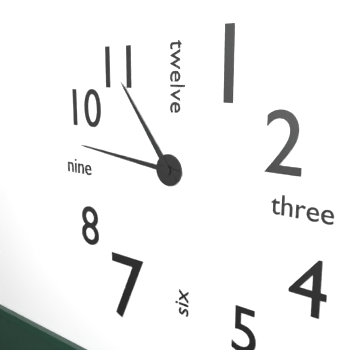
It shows 10:46
